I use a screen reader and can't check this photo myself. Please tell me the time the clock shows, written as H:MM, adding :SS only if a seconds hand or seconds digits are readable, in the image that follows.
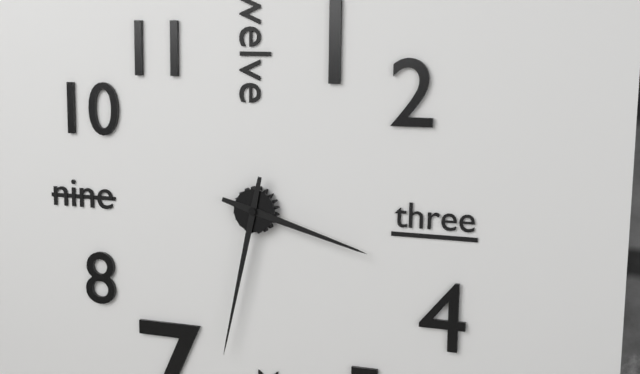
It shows 3:32
